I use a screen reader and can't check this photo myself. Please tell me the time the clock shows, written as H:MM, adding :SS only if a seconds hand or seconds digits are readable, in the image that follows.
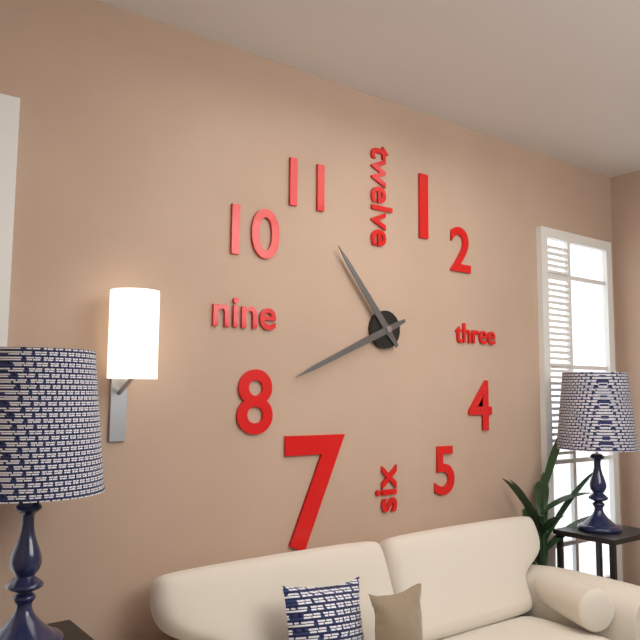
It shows 10:41
